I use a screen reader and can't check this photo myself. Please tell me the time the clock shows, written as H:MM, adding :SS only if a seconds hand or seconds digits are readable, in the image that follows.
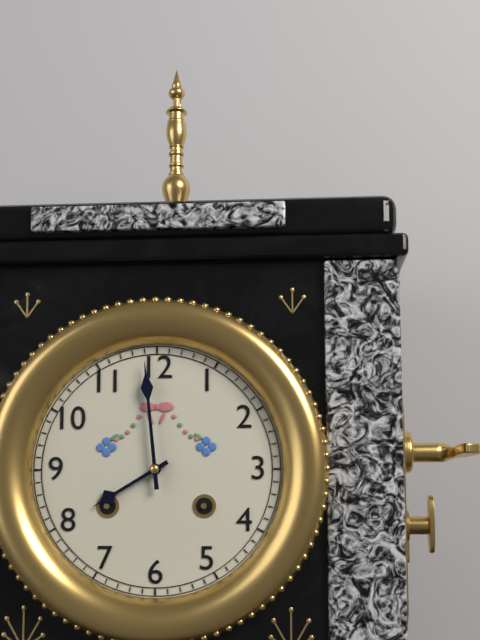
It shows 7:59
